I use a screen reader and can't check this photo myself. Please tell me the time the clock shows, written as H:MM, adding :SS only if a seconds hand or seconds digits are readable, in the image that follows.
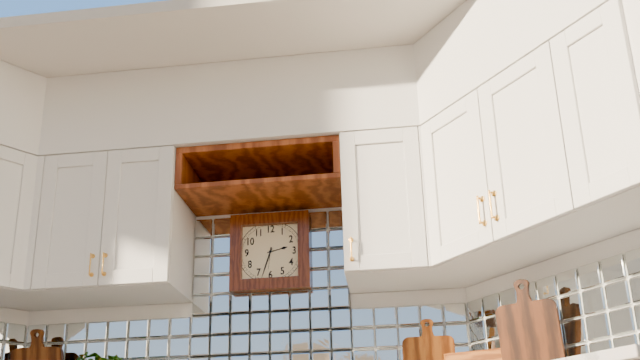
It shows 2:33
